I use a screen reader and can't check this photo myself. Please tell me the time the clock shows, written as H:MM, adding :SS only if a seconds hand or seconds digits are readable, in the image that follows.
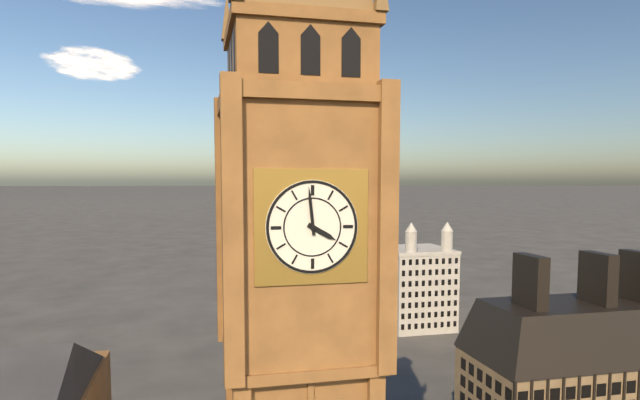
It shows 3:59
